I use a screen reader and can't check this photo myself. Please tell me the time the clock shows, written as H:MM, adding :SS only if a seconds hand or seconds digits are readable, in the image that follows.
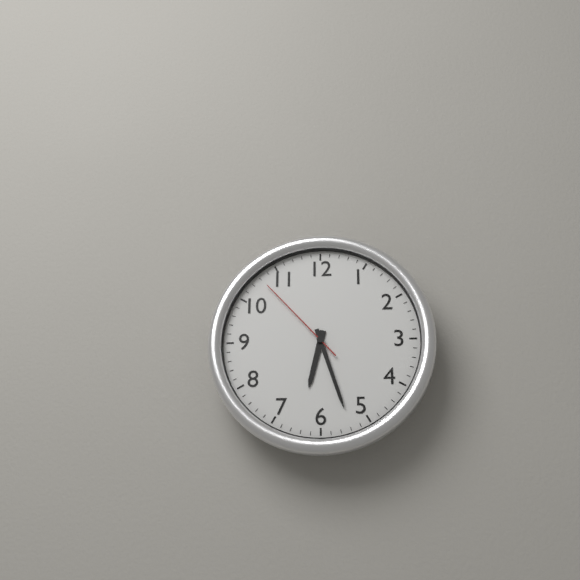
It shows 6:27:53
